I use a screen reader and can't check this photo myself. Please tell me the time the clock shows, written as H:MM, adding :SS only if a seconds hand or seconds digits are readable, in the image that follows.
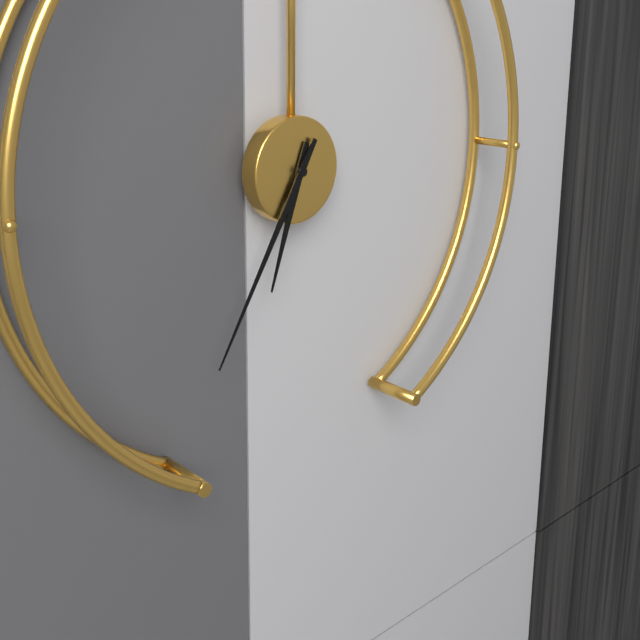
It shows 6:35
